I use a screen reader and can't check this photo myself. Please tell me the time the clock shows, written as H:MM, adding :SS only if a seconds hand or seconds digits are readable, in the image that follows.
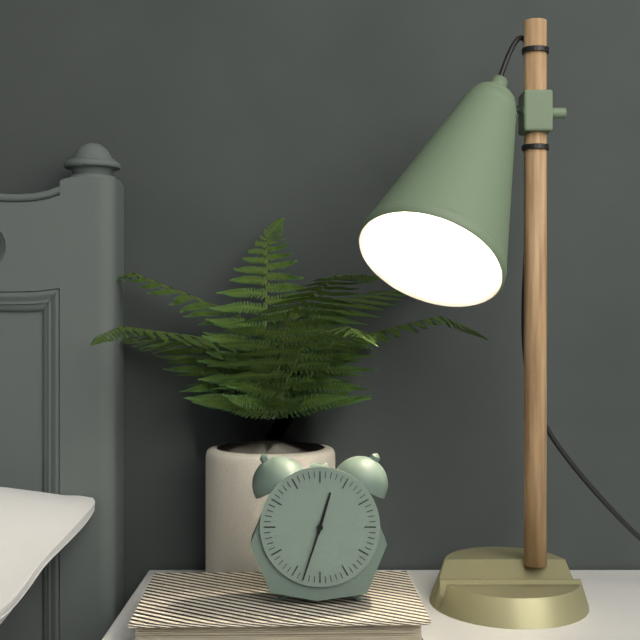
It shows 12:33
